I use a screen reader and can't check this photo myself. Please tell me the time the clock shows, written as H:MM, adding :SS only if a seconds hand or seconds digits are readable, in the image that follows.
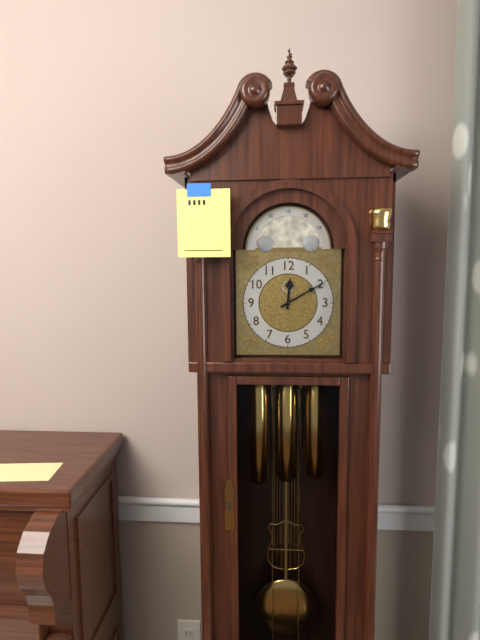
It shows 12:10
